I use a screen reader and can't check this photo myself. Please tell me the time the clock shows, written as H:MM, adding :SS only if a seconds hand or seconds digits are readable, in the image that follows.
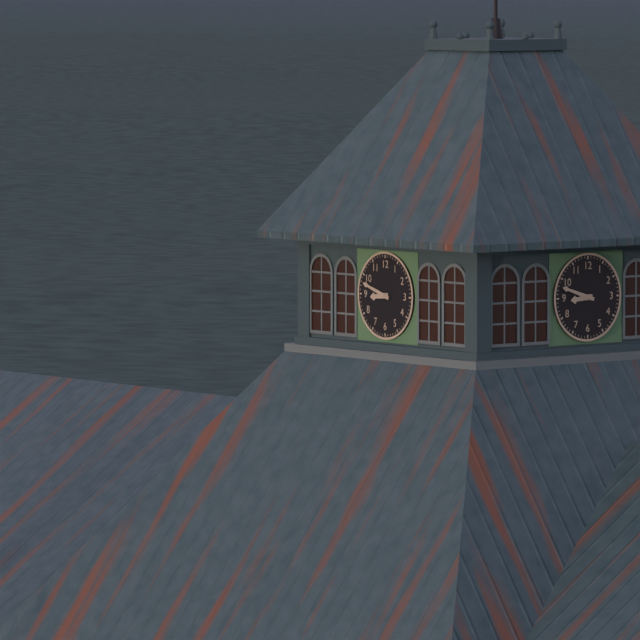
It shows 8:48
